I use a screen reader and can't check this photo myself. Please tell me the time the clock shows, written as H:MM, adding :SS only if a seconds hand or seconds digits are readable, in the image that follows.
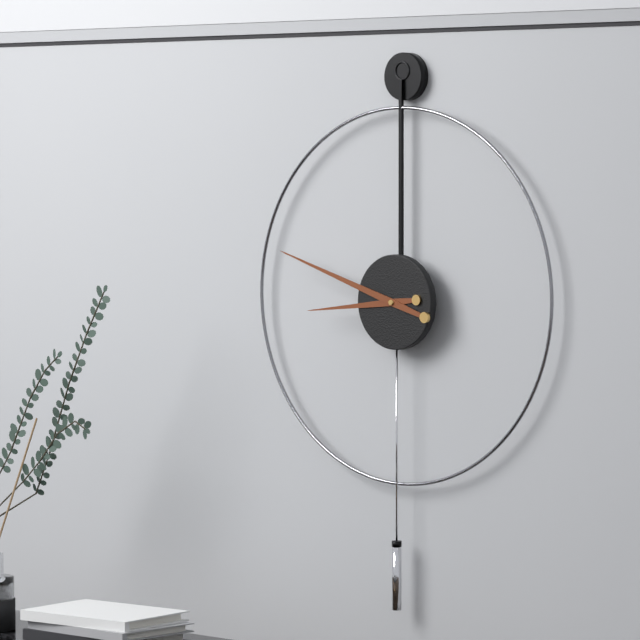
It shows 8:48
